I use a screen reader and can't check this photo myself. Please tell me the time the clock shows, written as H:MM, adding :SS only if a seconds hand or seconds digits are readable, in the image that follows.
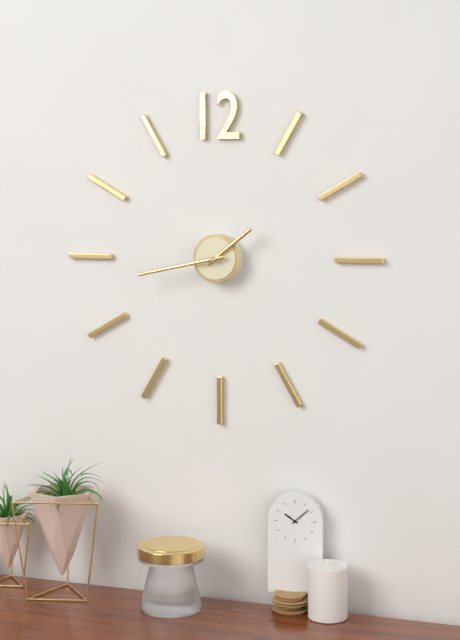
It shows 1:43
